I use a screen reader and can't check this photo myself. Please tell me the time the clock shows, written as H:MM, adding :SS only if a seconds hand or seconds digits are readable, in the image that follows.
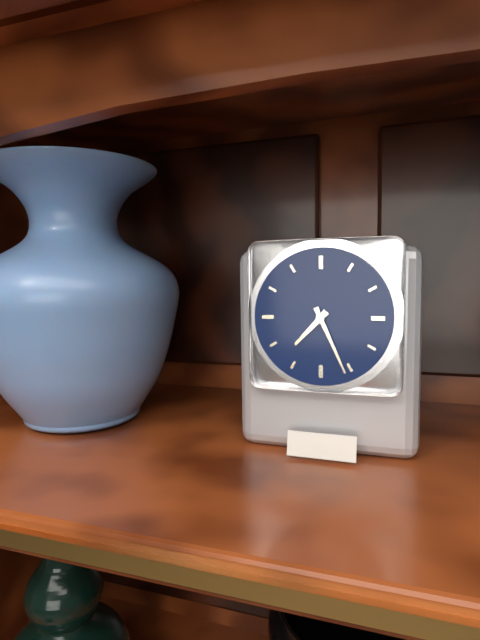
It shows 7:26
